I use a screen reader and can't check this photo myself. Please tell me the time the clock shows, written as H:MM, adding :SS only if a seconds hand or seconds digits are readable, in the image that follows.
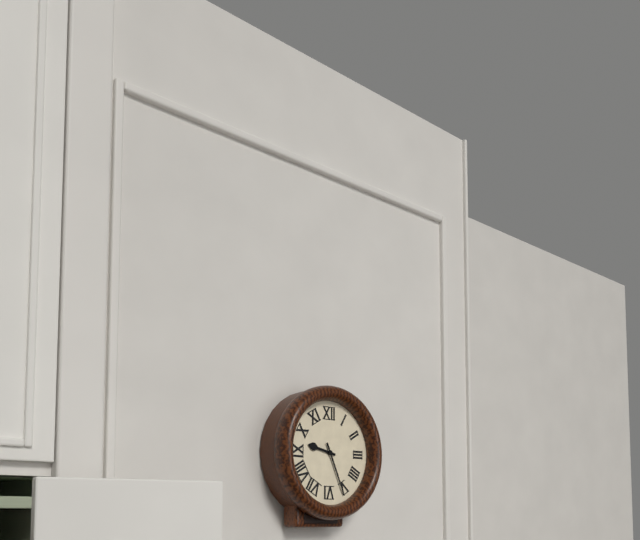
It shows 9:26
